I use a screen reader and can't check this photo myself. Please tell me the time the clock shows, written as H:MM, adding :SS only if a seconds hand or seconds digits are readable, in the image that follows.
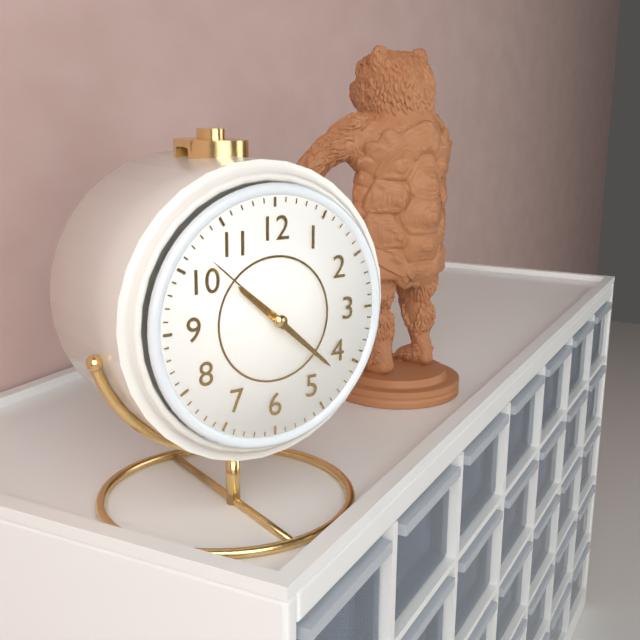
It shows 10:22:52
